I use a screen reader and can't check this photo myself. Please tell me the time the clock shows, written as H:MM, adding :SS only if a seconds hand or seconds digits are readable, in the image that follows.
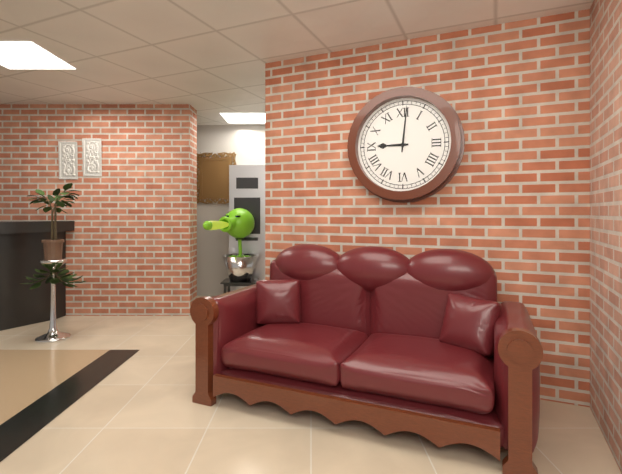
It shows 9:01
